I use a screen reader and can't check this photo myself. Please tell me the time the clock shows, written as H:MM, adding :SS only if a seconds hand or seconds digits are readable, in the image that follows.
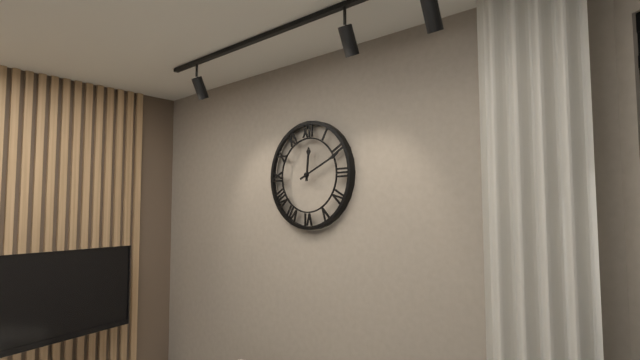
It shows 12:11
